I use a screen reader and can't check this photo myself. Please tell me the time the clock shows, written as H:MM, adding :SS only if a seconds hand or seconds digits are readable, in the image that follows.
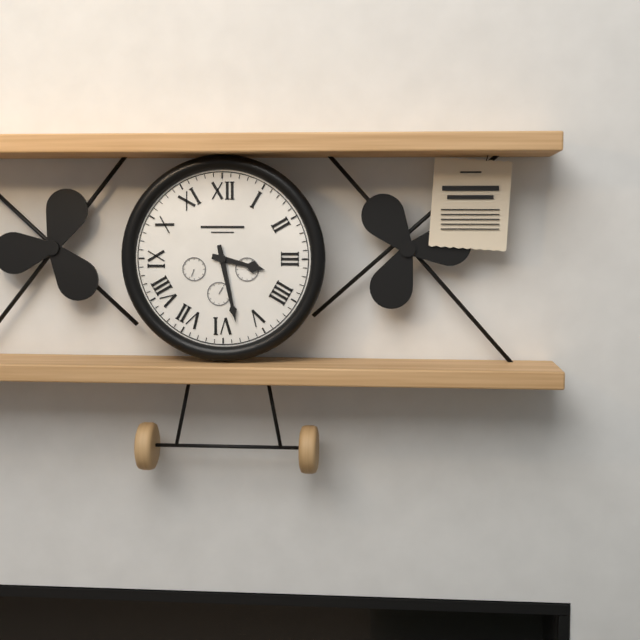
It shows 3:28
